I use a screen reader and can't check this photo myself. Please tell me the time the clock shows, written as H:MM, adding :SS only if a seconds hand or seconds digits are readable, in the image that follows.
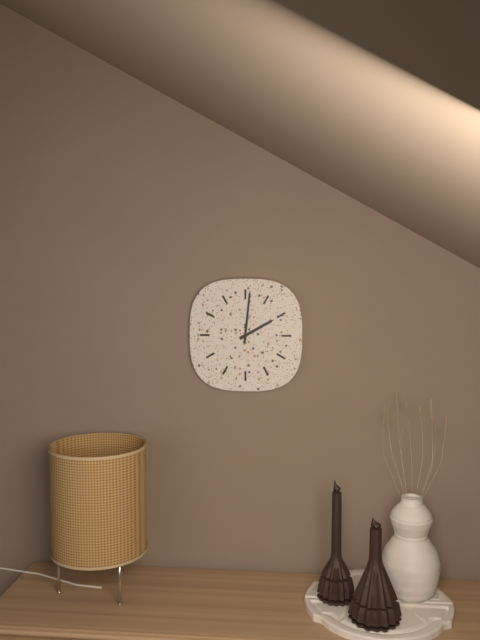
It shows 2:01
